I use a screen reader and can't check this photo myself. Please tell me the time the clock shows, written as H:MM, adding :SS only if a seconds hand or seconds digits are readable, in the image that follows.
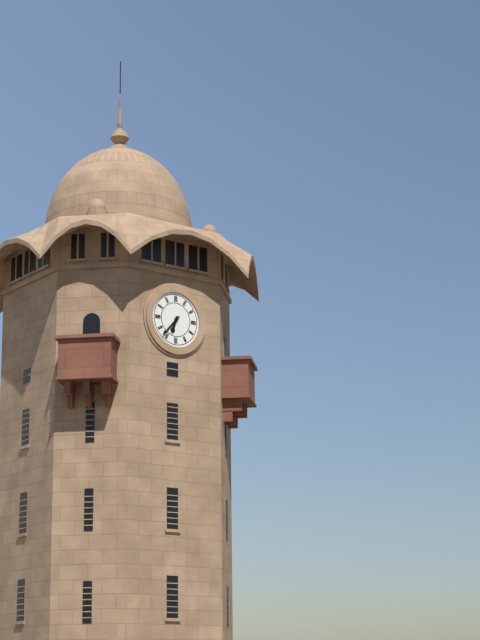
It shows 6:37
